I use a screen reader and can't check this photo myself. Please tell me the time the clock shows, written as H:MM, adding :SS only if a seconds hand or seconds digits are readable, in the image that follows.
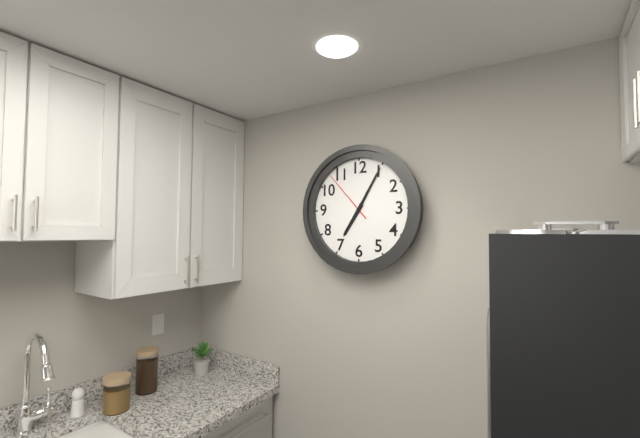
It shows 7:05:53
